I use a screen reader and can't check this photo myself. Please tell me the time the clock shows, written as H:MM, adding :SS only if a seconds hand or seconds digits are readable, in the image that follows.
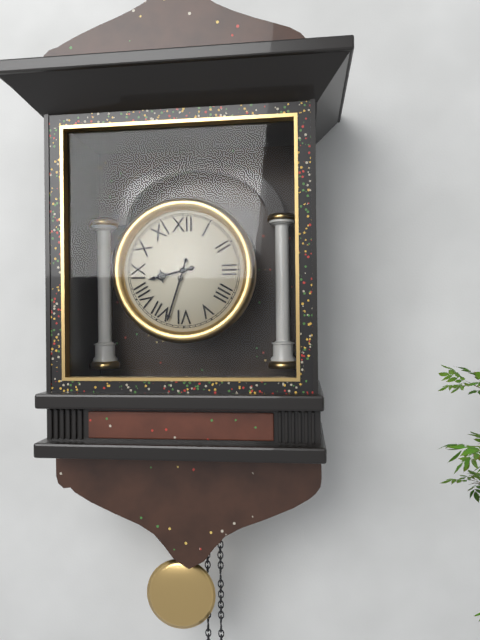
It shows 8:33
